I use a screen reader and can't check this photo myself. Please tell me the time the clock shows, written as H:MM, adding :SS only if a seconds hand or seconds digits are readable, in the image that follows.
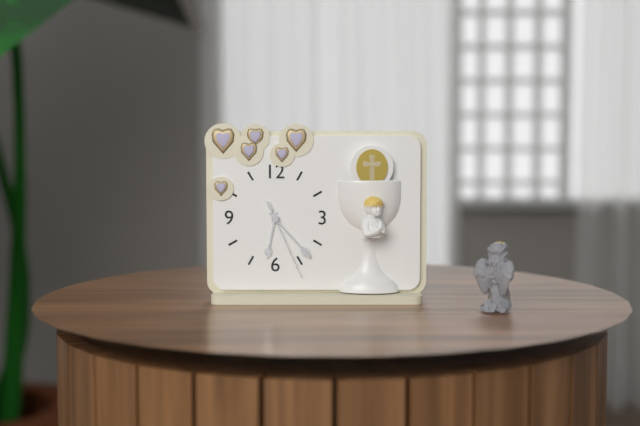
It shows 6:23:26
